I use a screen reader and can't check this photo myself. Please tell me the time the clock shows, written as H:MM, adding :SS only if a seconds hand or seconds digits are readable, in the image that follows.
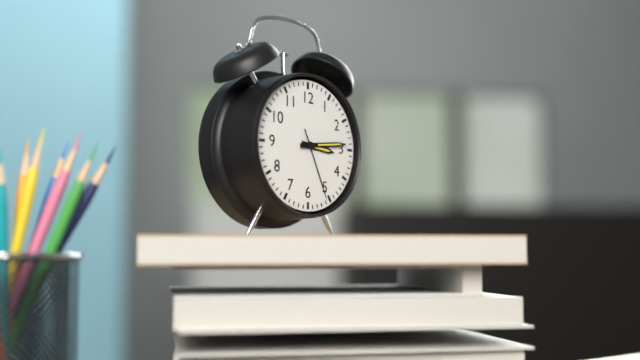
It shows 3:14:26
